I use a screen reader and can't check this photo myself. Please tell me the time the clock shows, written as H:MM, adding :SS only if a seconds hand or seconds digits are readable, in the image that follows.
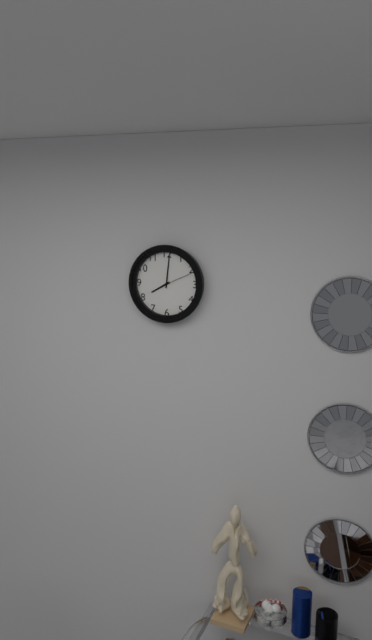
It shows 8:01
